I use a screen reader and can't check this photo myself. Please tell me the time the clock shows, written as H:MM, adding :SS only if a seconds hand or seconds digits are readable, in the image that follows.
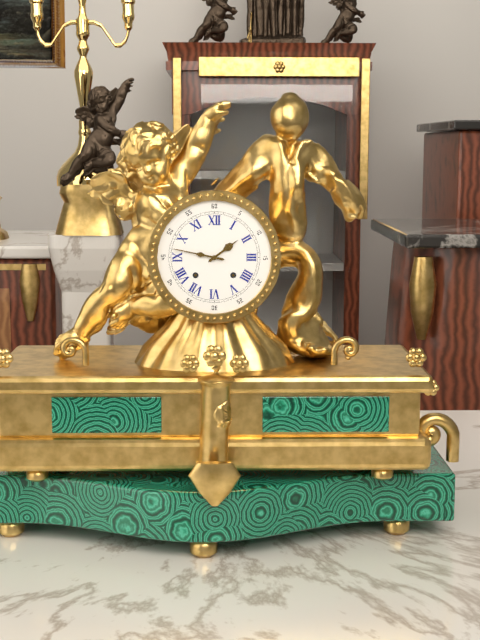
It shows 1:47
